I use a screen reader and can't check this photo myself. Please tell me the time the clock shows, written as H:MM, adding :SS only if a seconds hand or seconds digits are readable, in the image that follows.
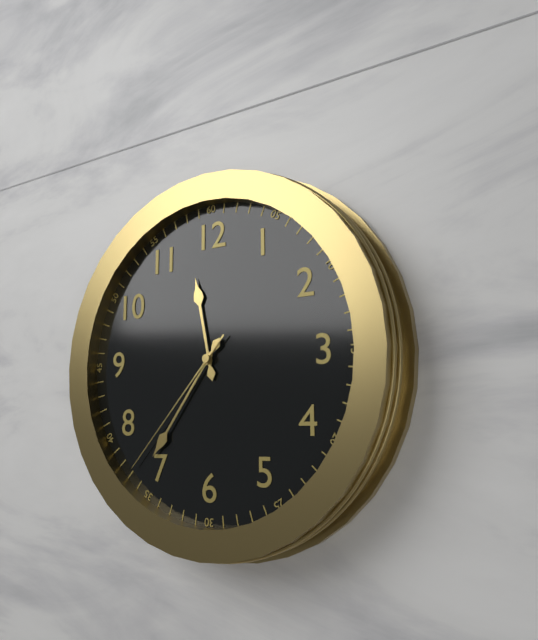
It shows 11:36:37
